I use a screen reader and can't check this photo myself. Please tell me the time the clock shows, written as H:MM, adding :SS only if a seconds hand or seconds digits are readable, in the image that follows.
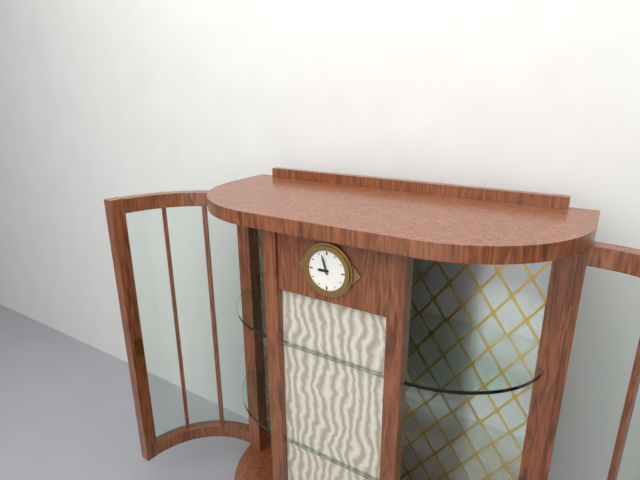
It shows 8:57
